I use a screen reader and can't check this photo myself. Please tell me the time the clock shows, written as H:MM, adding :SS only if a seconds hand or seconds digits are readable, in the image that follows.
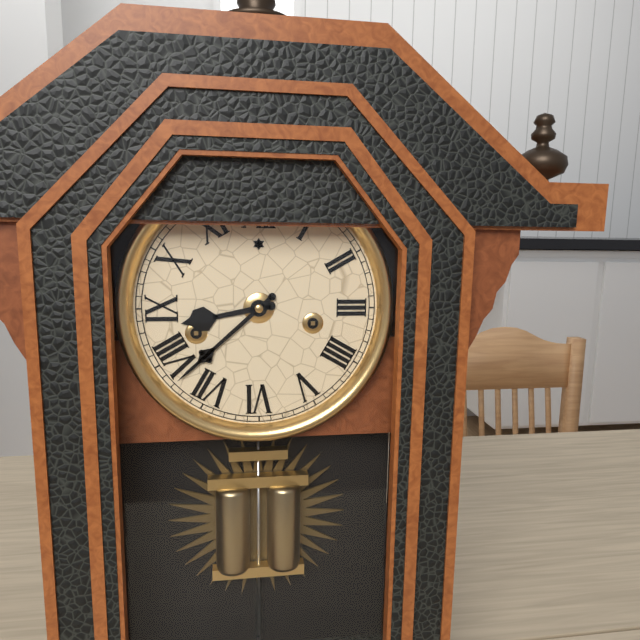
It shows 8:38
